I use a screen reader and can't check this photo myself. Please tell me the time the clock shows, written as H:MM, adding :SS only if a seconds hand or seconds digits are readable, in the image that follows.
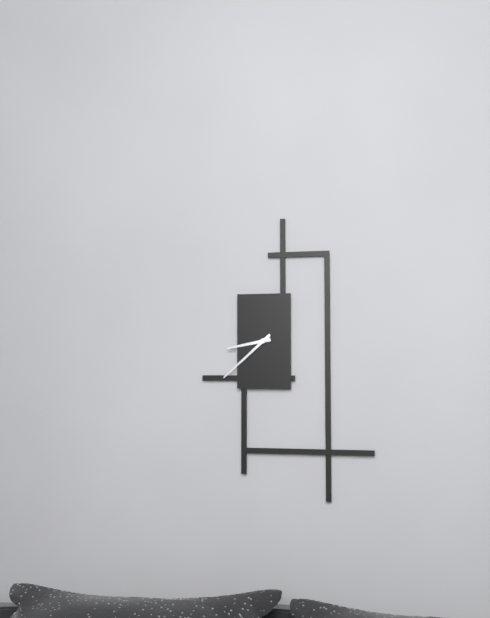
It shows 8:38
